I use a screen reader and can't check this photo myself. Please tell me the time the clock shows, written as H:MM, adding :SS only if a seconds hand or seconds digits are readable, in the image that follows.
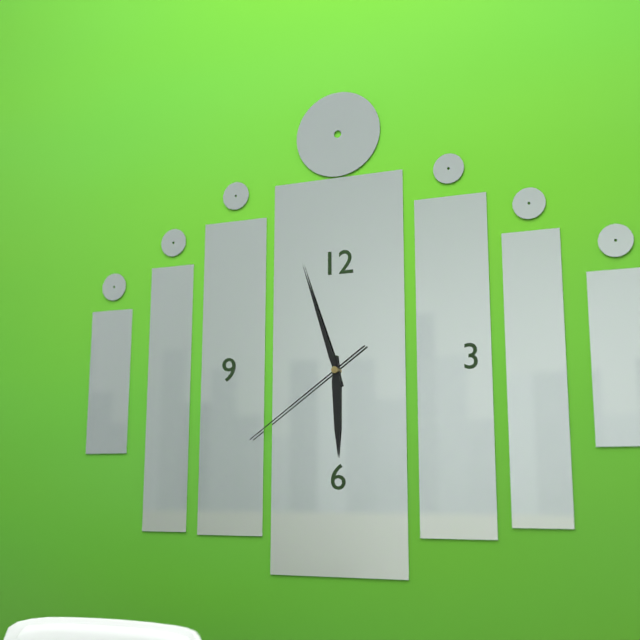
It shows 5:57:39
